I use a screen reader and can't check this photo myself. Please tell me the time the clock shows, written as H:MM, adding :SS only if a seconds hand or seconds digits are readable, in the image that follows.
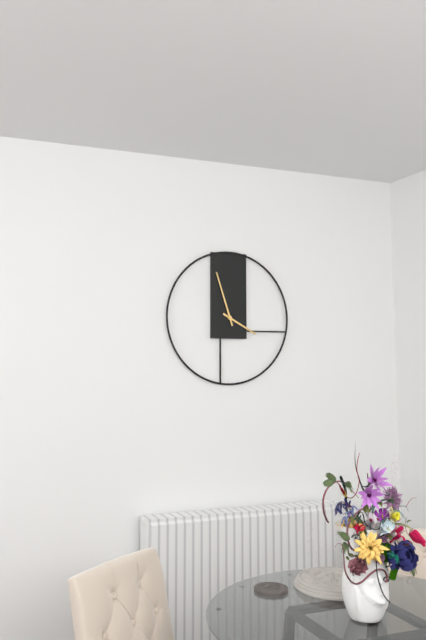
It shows 3:57
